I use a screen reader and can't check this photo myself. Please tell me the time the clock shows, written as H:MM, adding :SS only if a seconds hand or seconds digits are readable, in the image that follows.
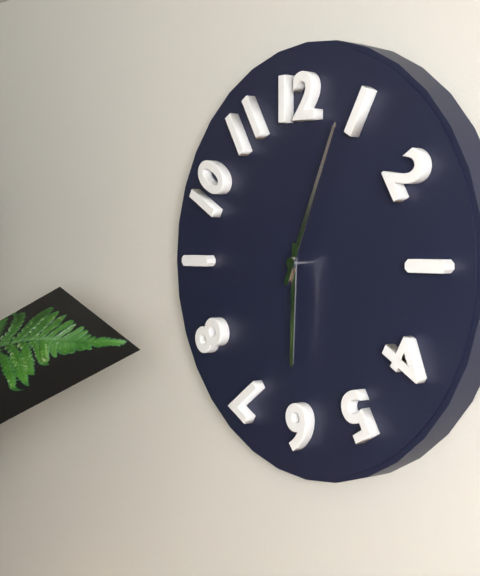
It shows 6:04
